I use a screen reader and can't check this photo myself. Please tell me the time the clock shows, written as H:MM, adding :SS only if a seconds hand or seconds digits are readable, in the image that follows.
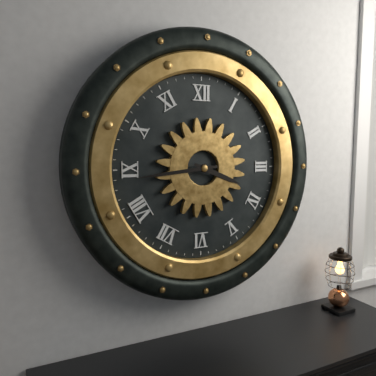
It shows 3:44
